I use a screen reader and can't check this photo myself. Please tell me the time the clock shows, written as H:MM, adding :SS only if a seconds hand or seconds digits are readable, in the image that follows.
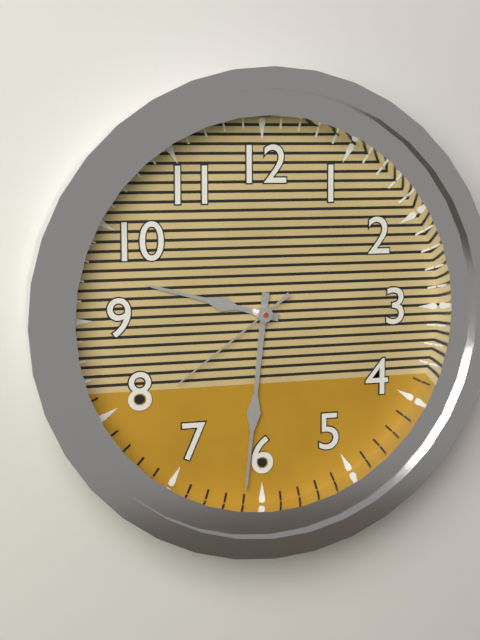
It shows 9:31:39
